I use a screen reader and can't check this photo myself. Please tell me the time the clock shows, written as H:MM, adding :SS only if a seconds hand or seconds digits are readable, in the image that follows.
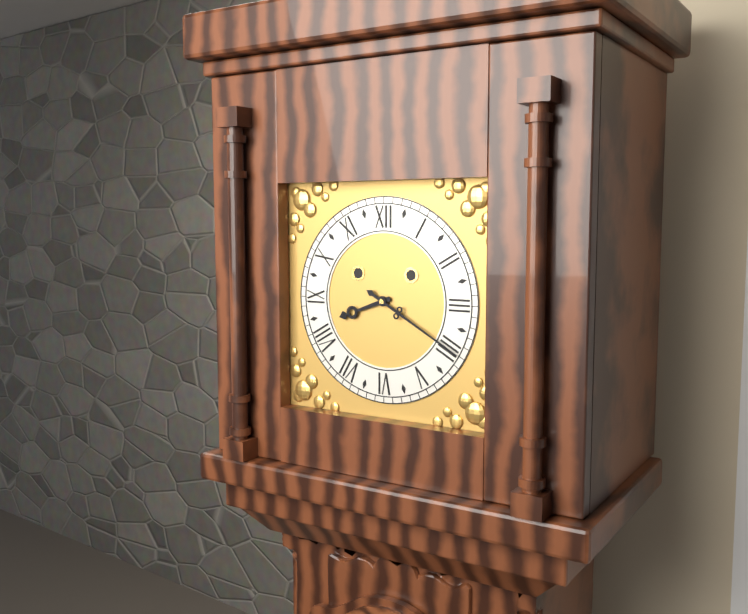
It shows 8:20
